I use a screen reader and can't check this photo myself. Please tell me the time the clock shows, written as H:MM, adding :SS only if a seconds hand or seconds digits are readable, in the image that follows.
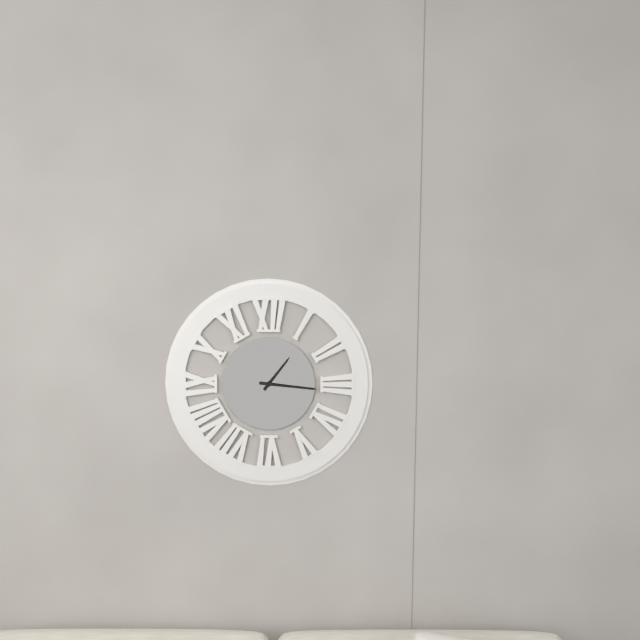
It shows 1:16
